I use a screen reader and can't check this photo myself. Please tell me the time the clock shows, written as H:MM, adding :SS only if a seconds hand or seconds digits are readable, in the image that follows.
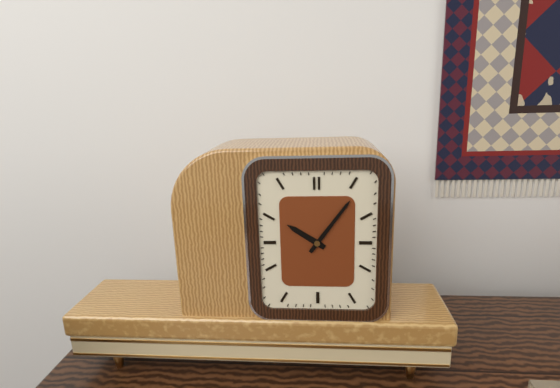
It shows 10:06
